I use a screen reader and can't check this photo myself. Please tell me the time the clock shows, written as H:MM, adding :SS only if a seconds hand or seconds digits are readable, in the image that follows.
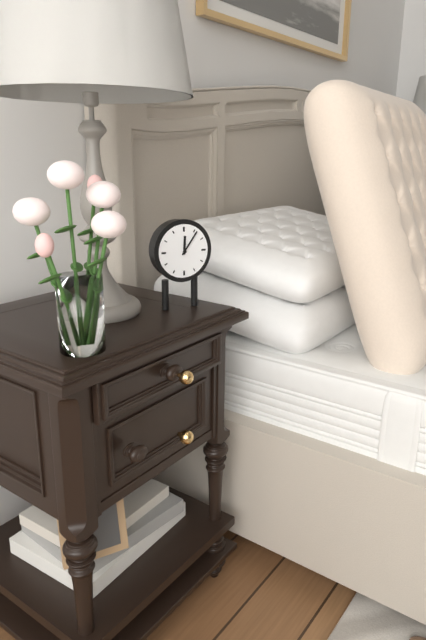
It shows 12:06
